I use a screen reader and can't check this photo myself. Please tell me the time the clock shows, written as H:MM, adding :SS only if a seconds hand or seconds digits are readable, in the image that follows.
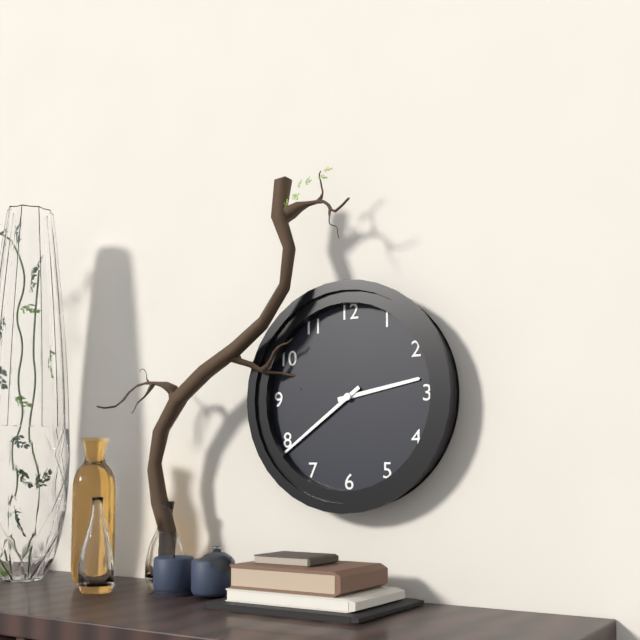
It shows 2:39
